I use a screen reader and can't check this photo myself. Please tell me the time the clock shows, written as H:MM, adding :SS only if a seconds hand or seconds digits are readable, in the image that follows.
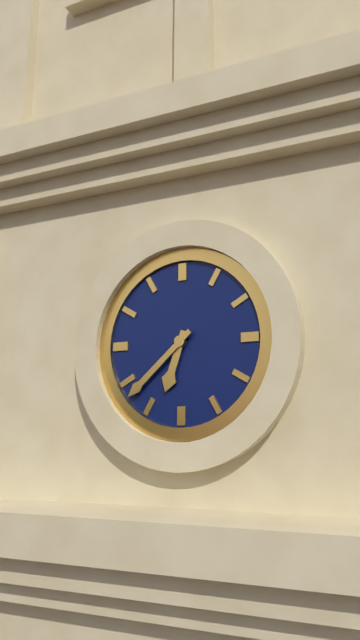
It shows 6:38
